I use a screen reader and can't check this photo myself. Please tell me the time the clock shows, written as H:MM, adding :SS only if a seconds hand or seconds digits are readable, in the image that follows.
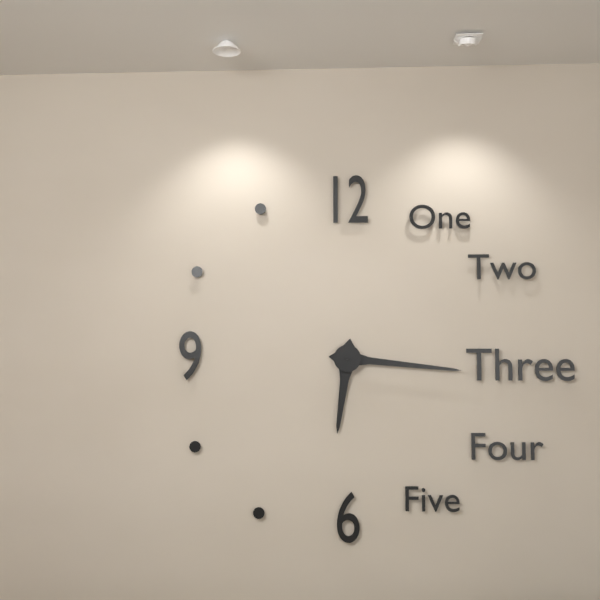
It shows 6:16
